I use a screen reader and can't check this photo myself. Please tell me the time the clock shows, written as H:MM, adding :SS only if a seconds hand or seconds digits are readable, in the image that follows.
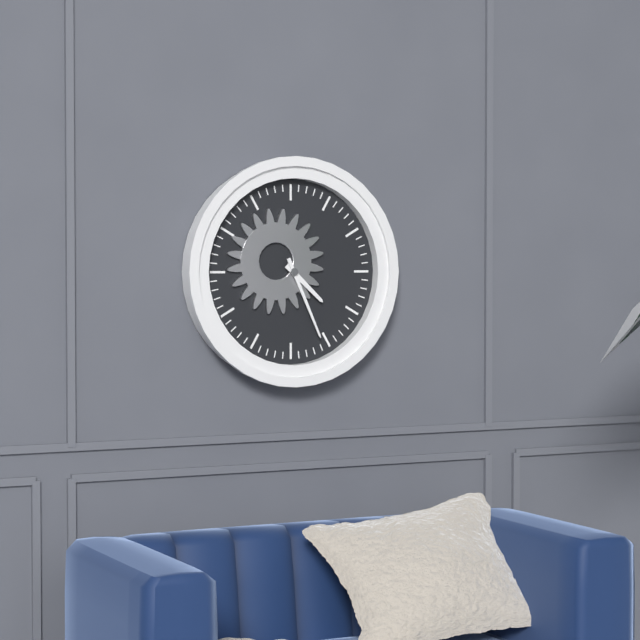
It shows 4:26
